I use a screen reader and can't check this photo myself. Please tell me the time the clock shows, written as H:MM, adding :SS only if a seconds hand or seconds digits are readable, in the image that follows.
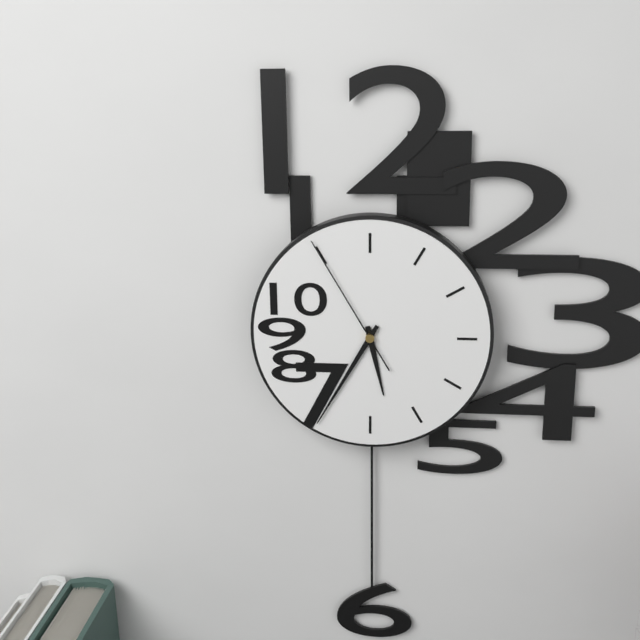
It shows 5:35:55
